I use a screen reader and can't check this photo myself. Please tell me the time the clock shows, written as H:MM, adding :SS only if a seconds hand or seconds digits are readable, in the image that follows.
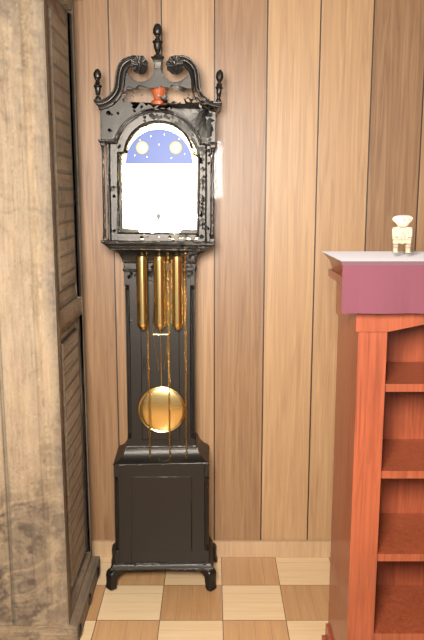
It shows 6:11
